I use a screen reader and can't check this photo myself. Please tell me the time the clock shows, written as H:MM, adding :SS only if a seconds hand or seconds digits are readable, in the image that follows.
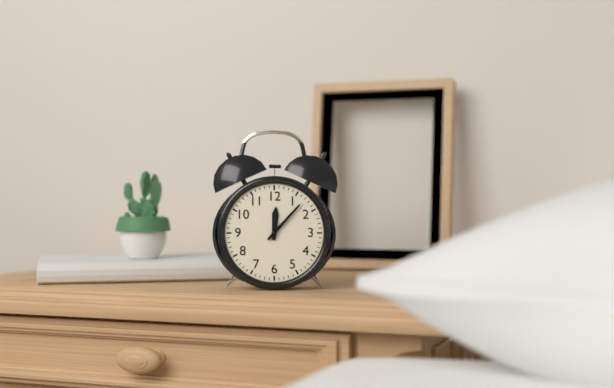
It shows 12:07
